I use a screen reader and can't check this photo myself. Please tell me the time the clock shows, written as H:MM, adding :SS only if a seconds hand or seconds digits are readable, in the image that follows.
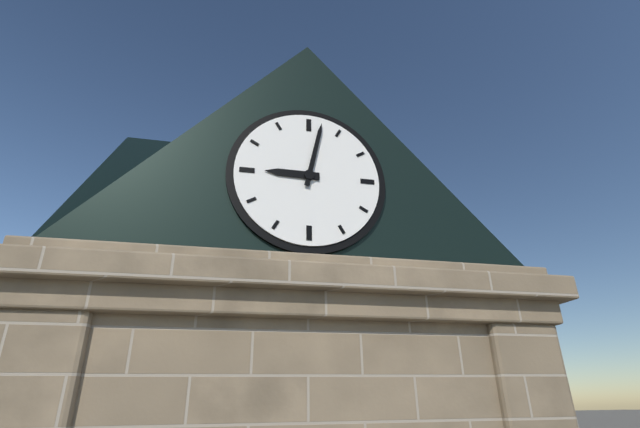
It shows 9:02
